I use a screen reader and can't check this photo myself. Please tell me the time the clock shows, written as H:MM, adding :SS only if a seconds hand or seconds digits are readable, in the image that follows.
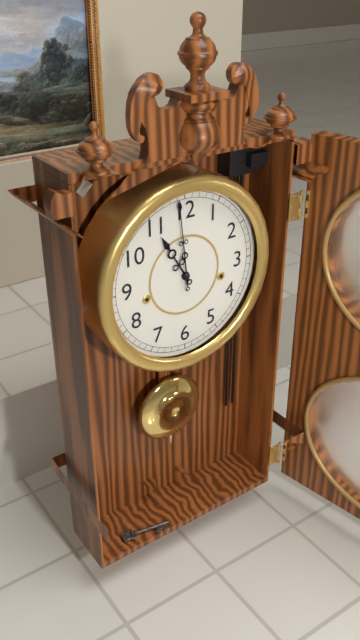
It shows 10:59
